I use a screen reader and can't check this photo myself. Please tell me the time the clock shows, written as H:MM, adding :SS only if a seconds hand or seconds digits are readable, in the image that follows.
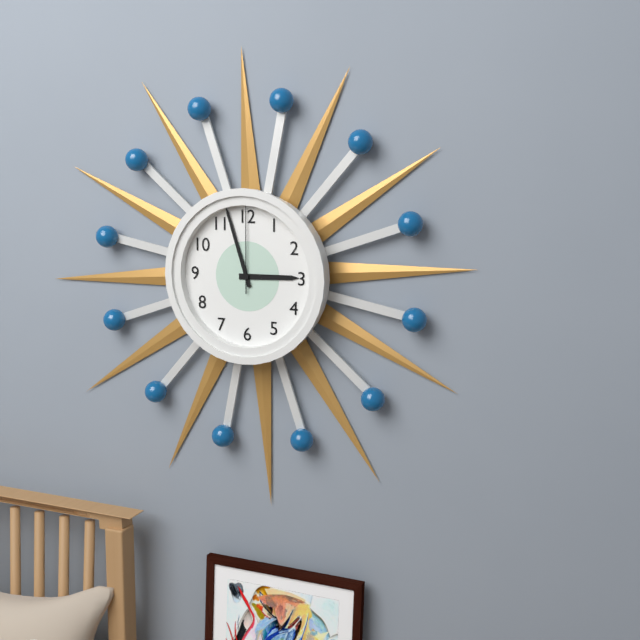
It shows 2:57:00
